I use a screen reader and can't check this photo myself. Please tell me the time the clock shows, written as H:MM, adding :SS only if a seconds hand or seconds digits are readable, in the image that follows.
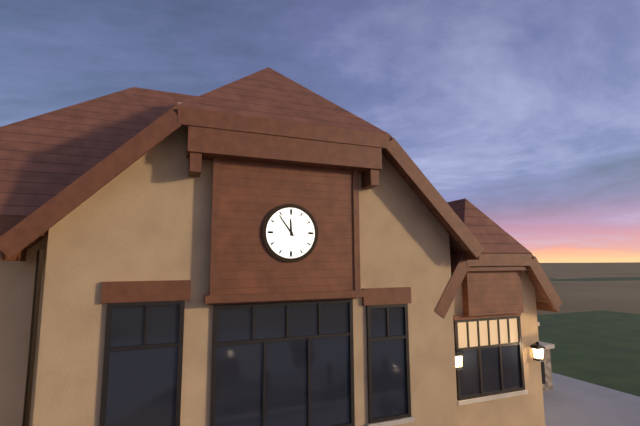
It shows 11:54
